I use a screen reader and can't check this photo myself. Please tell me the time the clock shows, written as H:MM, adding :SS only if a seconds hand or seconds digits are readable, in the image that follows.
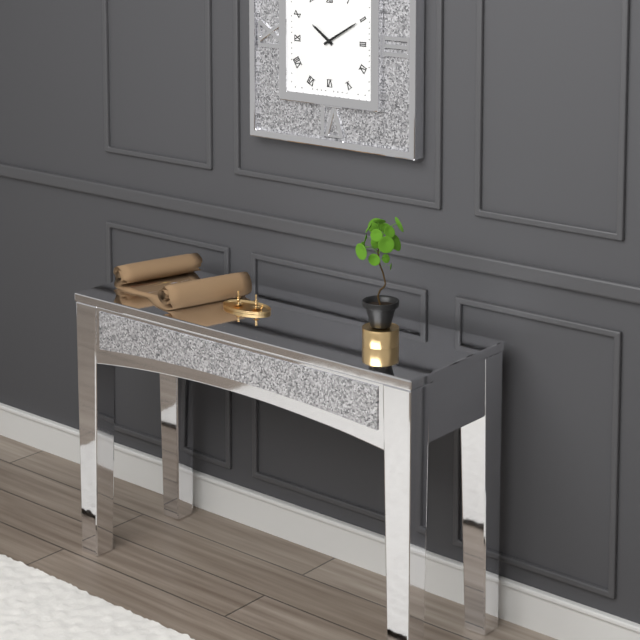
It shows 10:10
